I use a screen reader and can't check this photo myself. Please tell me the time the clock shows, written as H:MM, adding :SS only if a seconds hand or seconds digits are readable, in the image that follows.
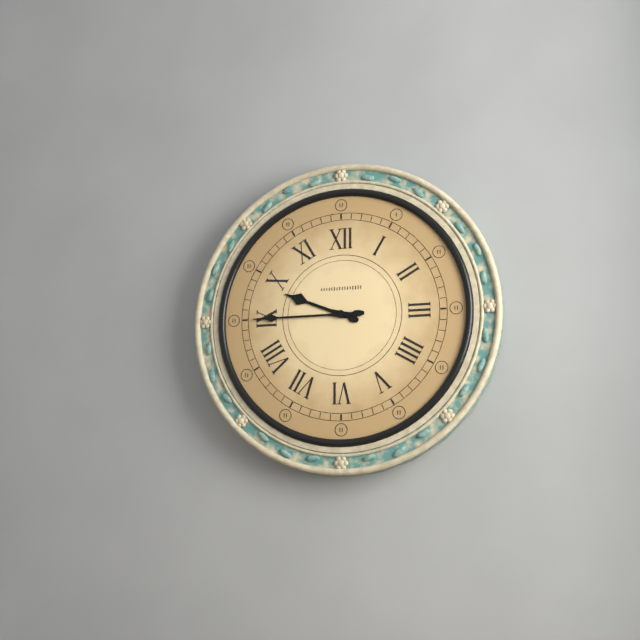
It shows 9:45
